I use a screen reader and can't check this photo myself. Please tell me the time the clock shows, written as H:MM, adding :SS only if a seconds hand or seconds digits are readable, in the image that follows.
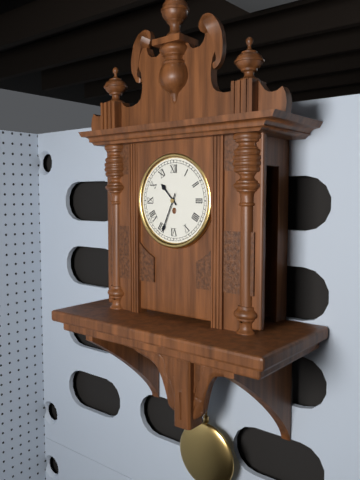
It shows 10:34
